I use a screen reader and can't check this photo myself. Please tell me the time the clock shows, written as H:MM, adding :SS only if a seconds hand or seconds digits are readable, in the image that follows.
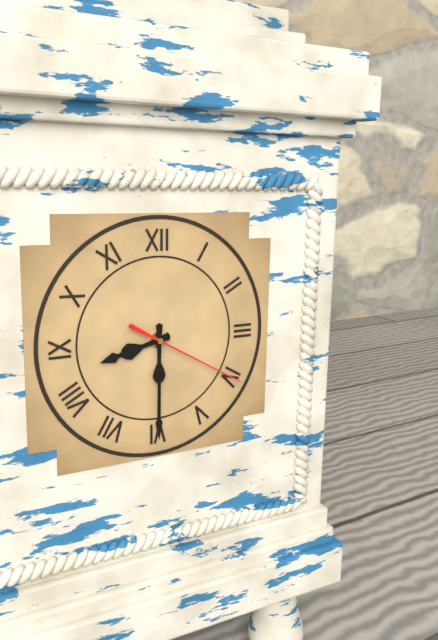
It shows 8:30:20
